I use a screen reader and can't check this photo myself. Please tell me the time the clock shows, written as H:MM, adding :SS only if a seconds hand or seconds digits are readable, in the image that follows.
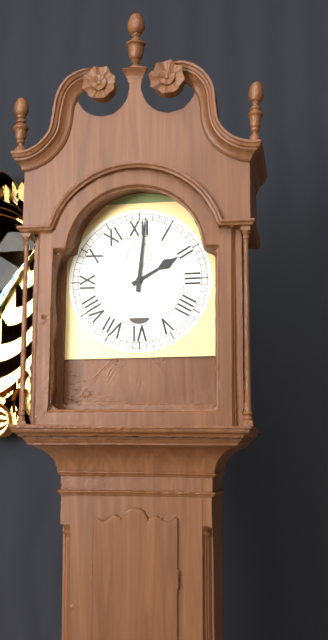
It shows 2:01
